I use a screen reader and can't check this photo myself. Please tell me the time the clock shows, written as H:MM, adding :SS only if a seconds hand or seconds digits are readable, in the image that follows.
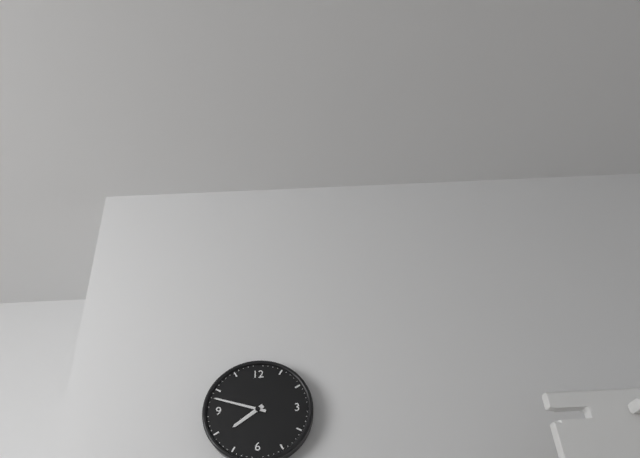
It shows 7:48
